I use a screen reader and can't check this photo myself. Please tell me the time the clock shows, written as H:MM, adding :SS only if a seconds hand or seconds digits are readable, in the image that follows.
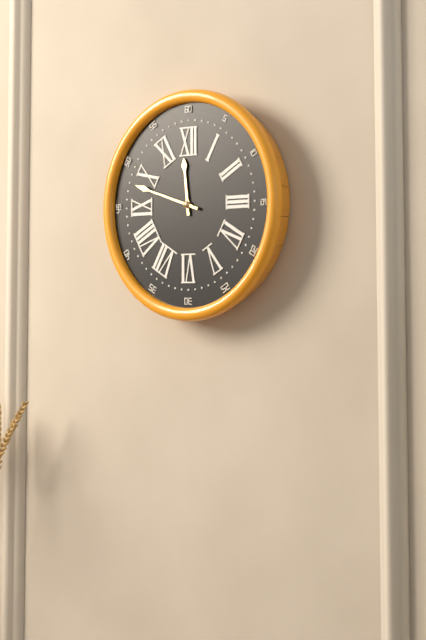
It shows 11:48
